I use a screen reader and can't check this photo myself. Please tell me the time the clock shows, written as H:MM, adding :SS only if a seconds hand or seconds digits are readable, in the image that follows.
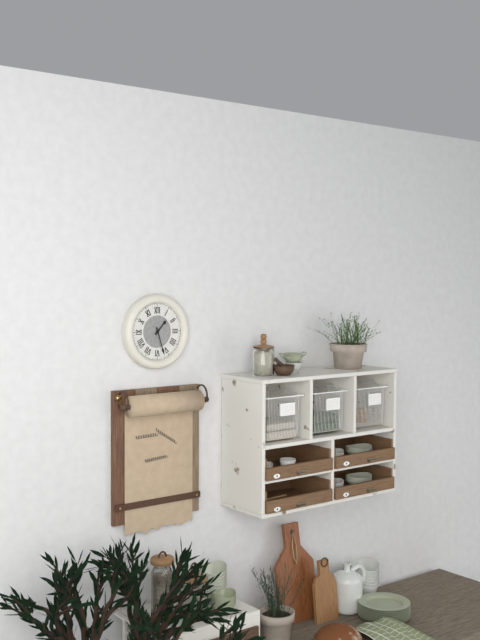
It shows 1:27
